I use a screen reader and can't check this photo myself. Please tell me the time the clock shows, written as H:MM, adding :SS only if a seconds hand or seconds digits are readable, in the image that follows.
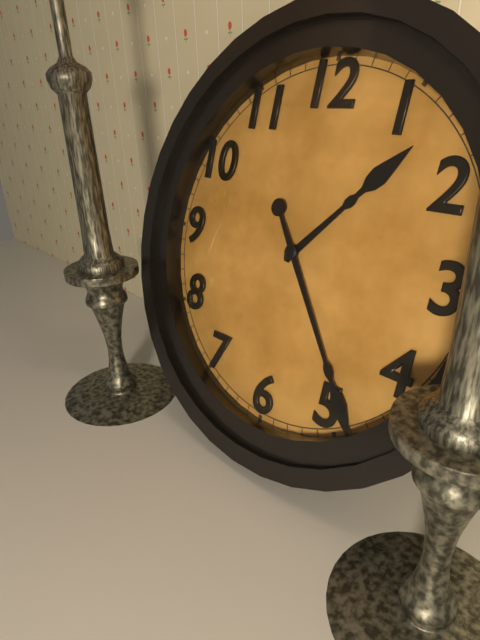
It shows 1:24
